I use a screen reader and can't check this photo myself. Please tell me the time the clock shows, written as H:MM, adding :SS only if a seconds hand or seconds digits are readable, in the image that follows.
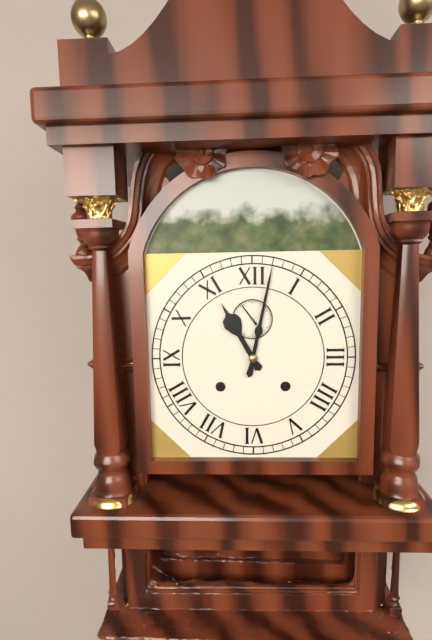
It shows 11:02
